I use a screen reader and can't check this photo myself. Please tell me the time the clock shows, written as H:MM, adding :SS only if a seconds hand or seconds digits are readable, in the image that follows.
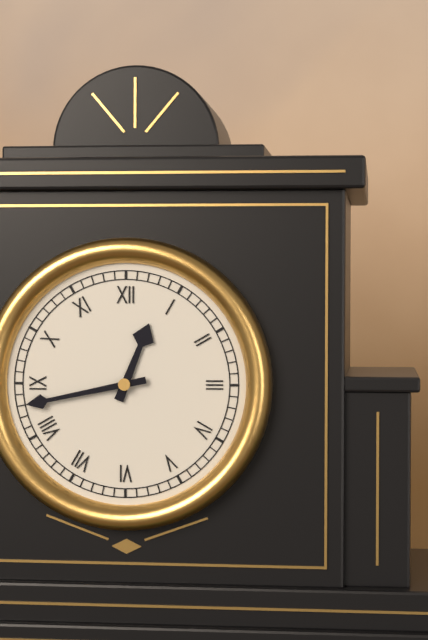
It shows 12:43
